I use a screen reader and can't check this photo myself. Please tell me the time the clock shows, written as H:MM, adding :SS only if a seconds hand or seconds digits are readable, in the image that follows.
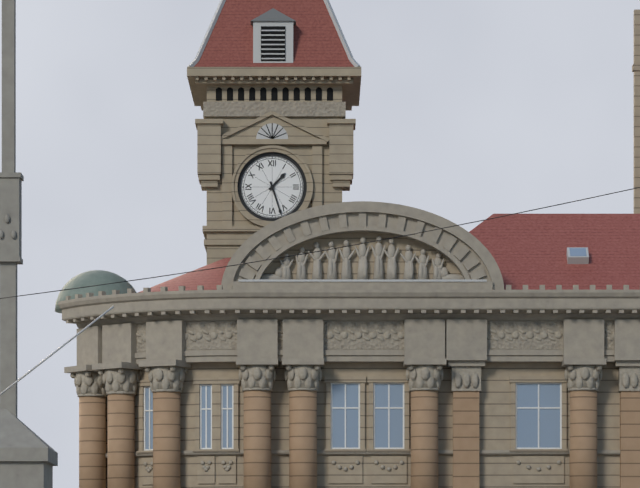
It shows 1:27
